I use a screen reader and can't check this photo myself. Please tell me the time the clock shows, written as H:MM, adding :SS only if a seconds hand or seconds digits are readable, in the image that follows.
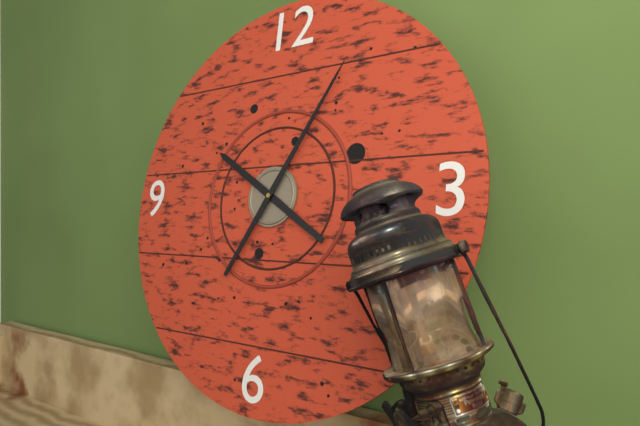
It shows 10:05
